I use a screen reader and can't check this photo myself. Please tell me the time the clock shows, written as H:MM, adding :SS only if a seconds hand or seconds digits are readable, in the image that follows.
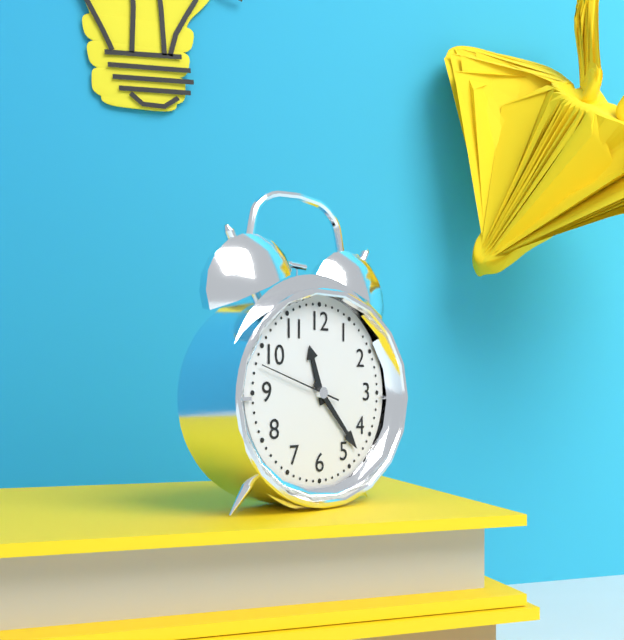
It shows 11:23:48
